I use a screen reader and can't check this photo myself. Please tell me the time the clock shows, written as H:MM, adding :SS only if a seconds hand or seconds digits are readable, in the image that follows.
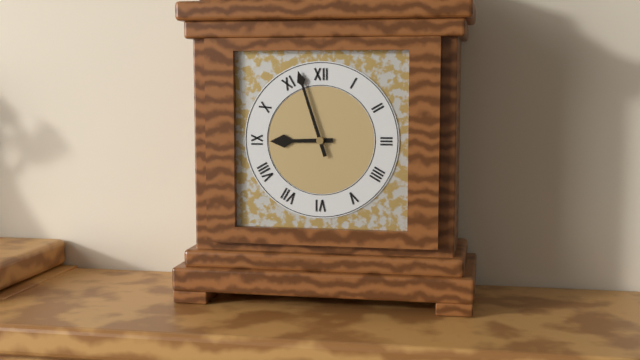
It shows 8:57
